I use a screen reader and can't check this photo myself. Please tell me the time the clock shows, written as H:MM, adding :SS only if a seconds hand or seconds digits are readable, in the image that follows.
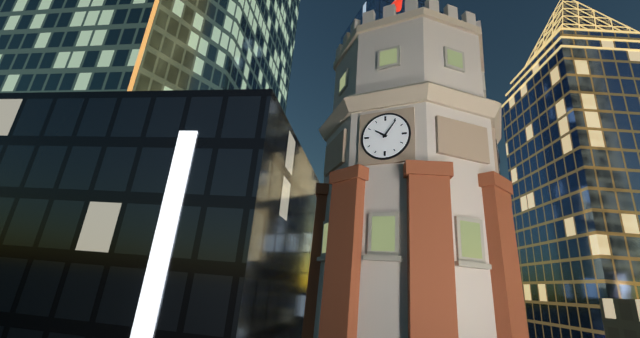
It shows 10:06
